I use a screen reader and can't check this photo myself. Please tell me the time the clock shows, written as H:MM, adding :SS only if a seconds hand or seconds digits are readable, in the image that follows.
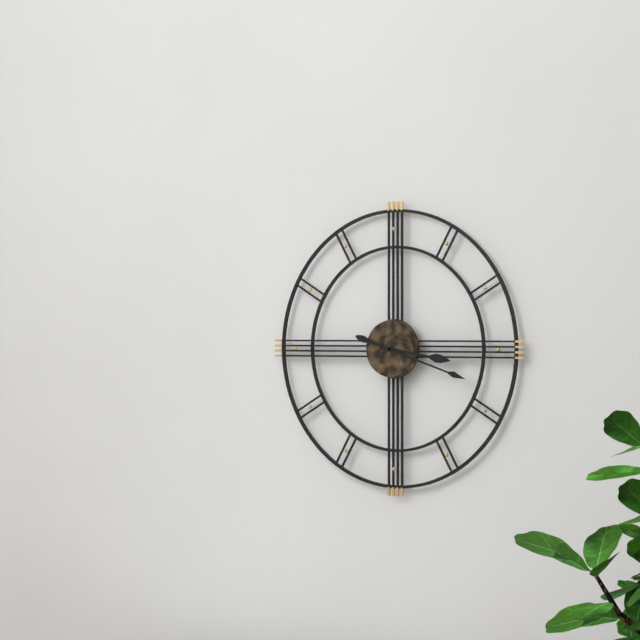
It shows 3:18
